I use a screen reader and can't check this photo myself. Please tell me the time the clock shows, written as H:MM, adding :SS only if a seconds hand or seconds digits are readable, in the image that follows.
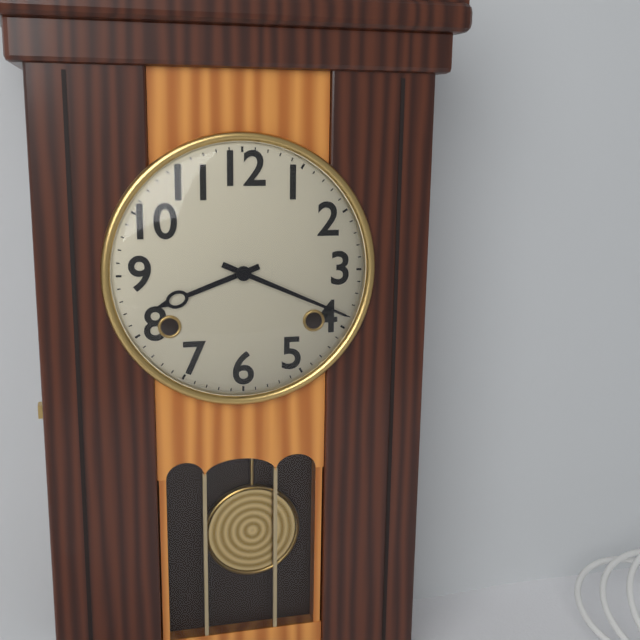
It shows 8:19
